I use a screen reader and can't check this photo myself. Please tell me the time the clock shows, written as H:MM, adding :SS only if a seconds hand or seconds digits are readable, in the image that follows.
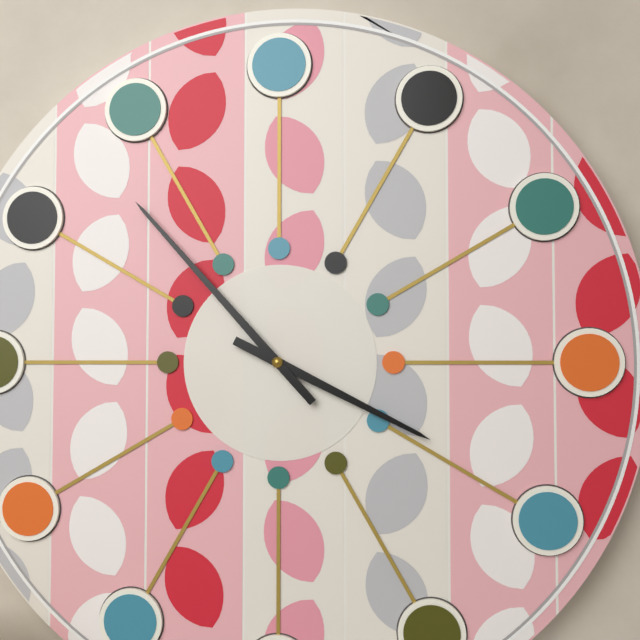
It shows 3:53
